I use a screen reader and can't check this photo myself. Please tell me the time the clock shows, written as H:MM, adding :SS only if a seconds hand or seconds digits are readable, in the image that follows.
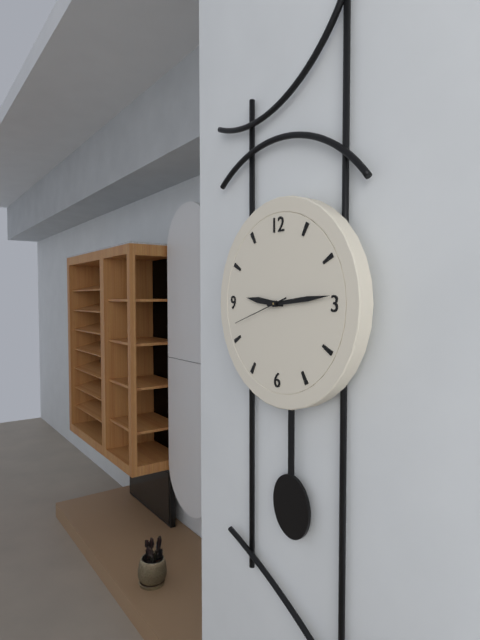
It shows 9:14:42
